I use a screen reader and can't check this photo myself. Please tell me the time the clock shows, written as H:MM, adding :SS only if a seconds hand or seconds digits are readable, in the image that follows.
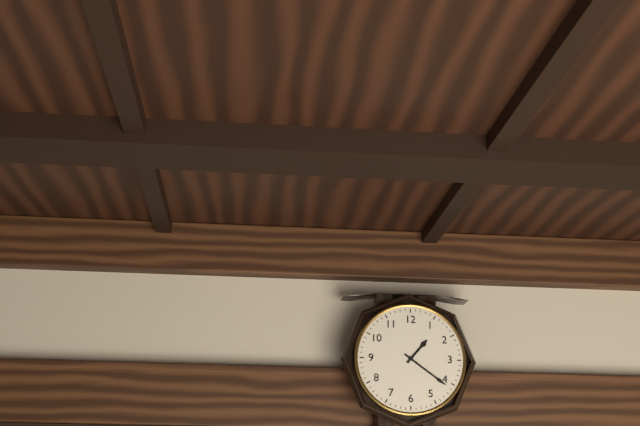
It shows 1:21
